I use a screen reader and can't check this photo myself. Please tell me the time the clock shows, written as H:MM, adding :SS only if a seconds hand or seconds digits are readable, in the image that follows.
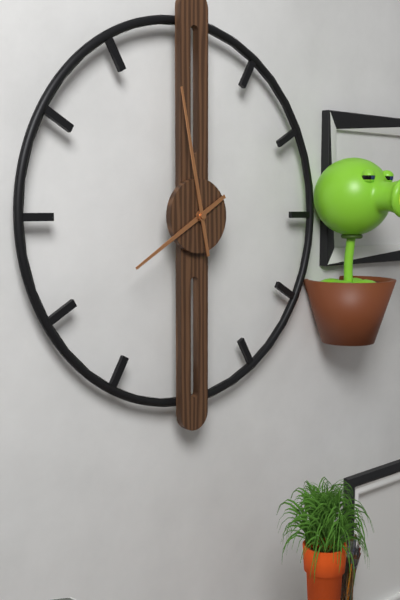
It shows 7:58
